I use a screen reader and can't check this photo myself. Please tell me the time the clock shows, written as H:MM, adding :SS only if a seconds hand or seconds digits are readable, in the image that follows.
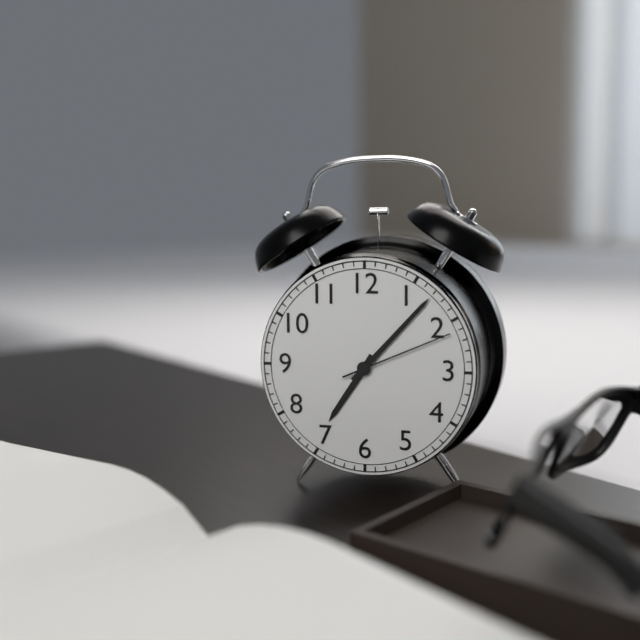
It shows 7:07:11
